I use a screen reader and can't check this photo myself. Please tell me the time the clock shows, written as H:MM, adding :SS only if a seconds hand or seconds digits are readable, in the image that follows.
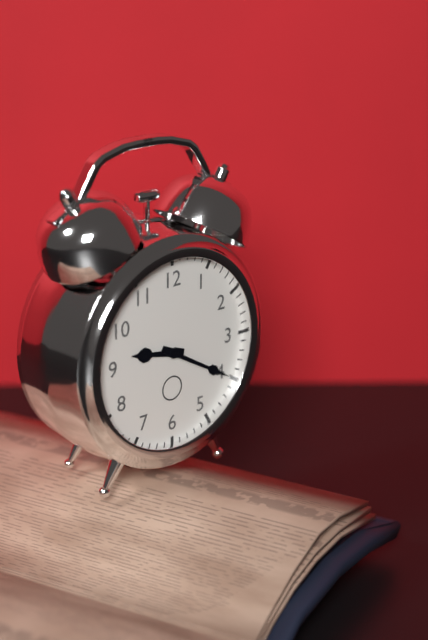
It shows 9:20
